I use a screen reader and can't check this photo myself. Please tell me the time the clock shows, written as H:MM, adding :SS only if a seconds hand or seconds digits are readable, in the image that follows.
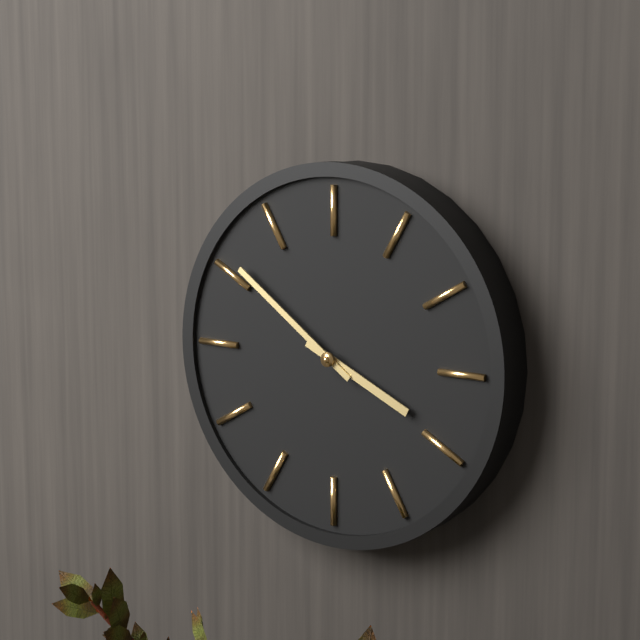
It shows 3:51
